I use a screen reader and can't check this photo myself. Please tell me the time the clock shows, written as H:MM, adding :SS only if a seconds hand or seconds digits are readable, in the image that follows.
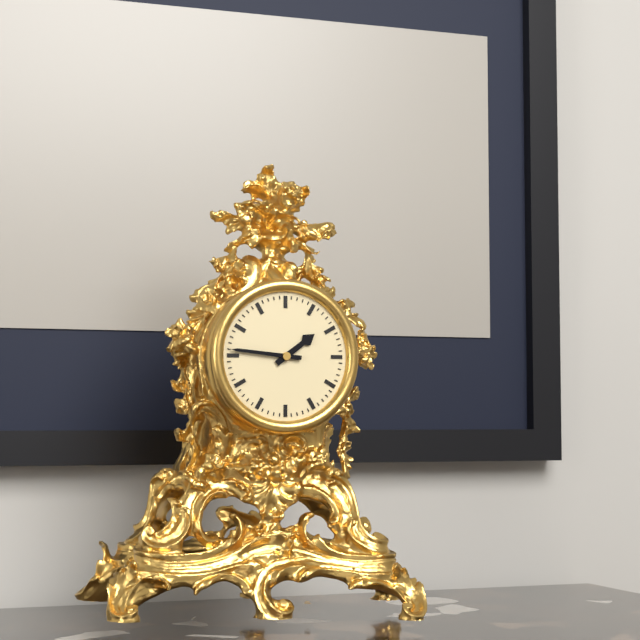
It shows 1:46
